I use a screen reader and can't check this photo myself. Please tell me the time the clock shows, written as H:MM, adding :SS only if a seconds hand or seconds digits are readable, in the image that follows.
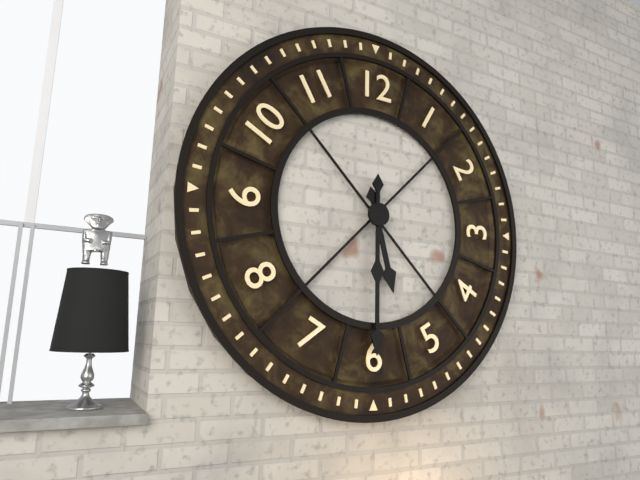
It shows 5:30
